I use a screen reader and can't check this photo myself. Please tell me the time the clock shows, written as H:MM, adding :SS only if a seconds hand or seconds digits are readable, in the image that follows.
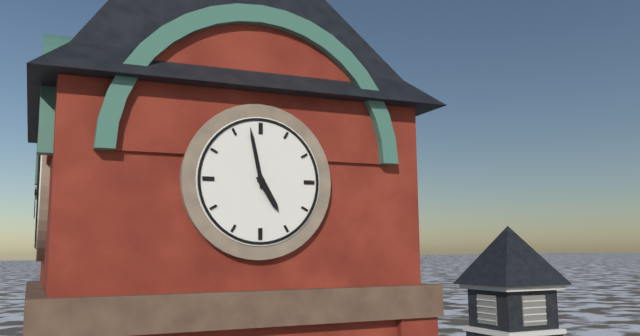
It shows 4:58
